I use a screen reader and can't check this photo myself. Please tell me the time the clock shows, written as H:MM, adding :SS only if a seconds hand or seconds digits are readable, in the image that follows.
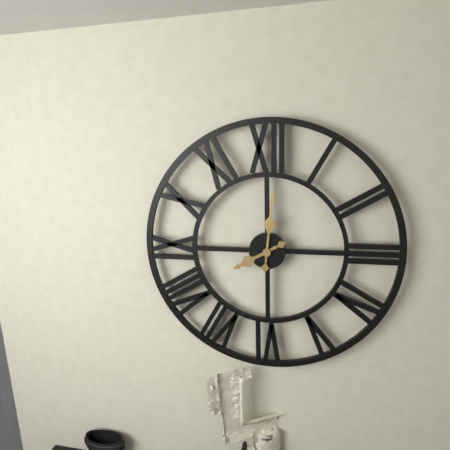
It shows 8:01
